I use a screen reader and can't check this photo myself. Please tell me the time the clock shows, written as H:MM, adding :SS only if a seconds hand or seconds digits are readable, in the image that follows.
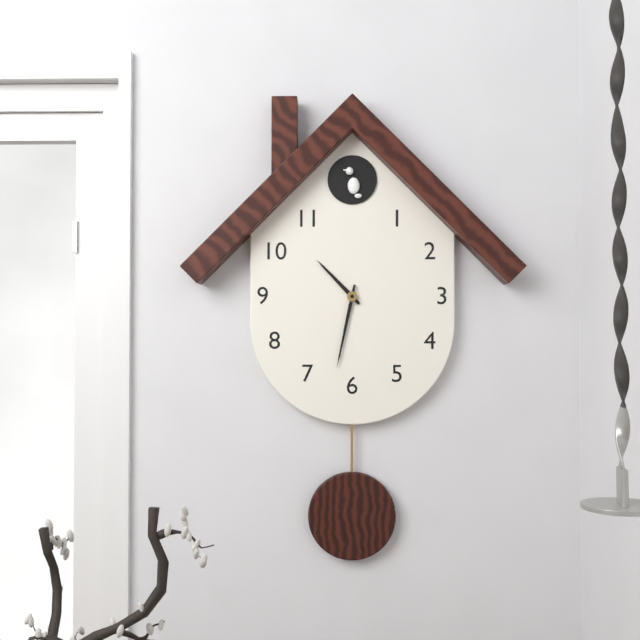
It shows 10:32
